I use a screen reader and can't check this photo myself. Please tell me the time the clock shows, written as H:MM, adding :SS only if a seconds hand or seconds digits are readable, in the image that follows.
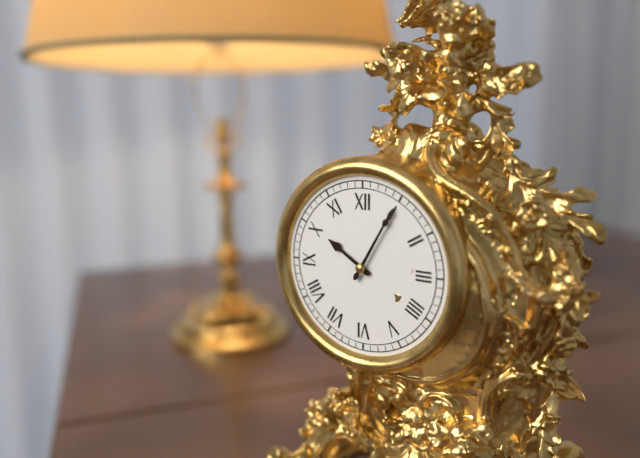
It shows 10:05
